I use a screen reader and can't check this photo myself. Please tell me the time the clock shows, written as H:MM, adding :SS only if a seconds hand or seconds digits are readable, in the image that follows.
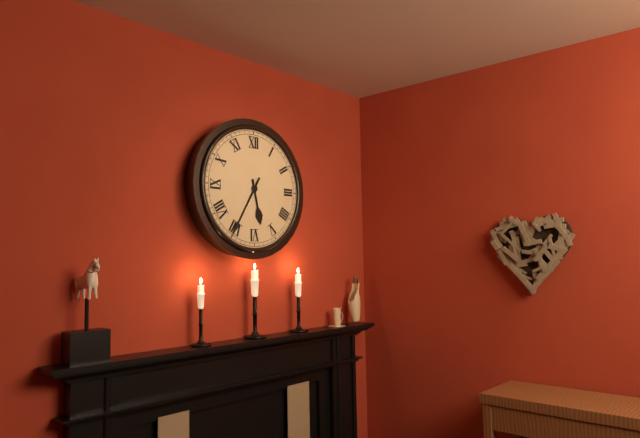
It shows 5:35
